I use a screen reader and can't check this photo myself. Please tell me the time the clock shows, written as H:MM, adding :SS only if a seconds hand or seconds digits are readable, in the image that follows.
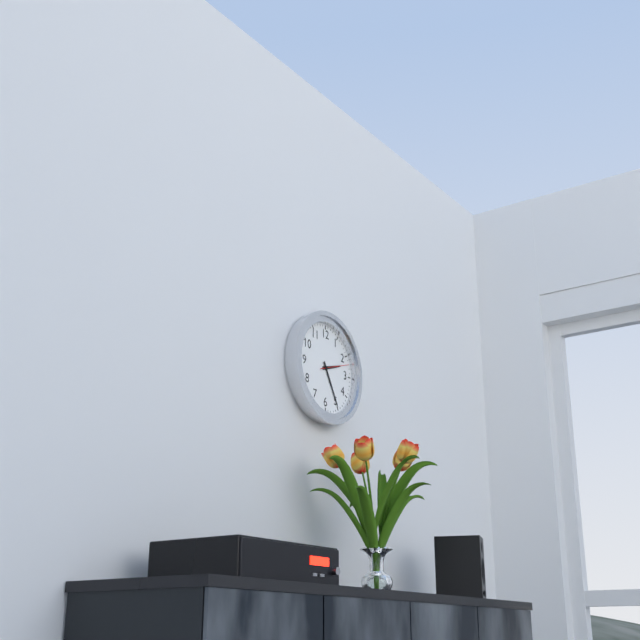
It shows 2:25
